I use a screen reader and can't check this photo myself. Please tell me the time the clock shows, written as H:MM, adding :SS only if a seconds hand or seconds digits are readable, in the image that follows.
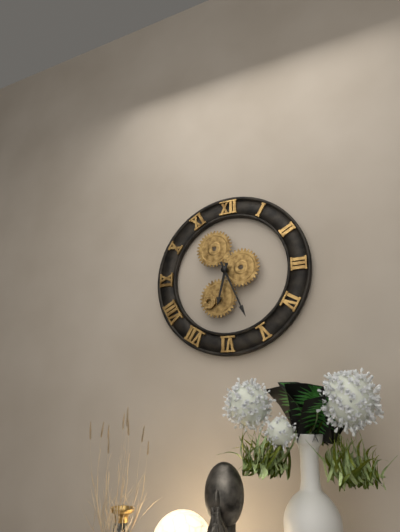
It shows 6:26
